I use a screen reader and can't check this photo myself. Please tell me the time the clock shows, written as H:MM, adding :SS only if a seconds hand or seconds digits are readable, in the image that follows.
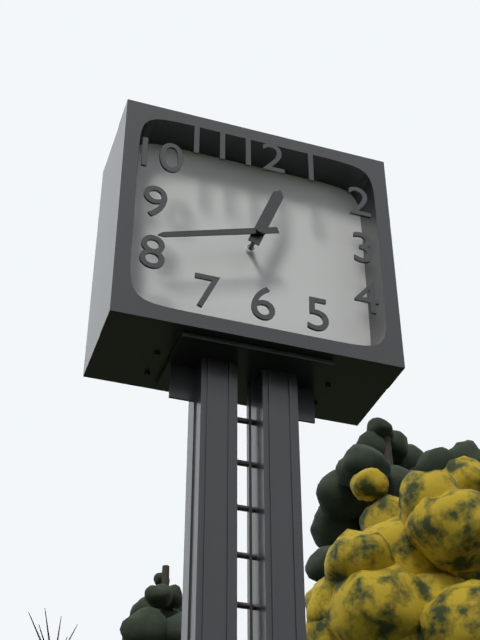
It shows 12:42
